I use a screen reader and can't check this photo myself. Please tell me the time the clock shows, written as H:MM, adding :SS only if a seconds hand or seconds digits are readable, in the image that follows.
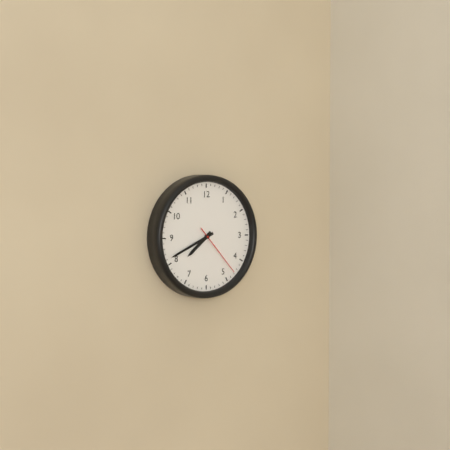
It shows 7:41:23
